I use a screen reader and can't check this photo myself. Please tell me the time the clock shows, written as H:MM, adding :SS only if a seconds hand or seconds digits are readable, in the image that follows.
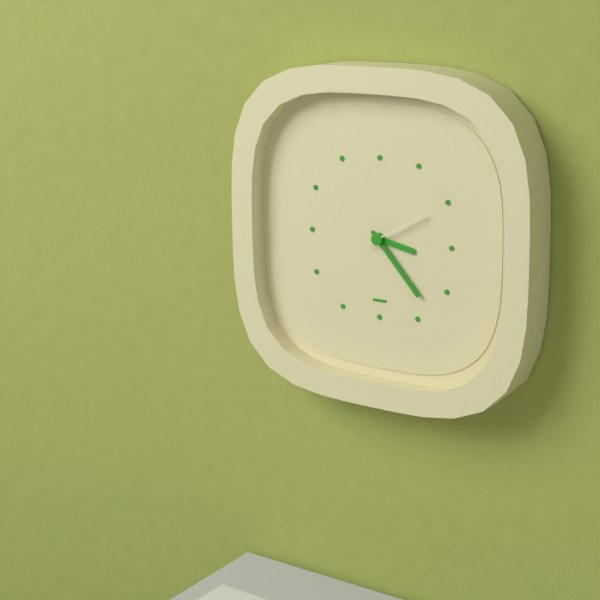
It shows 3:23:10
